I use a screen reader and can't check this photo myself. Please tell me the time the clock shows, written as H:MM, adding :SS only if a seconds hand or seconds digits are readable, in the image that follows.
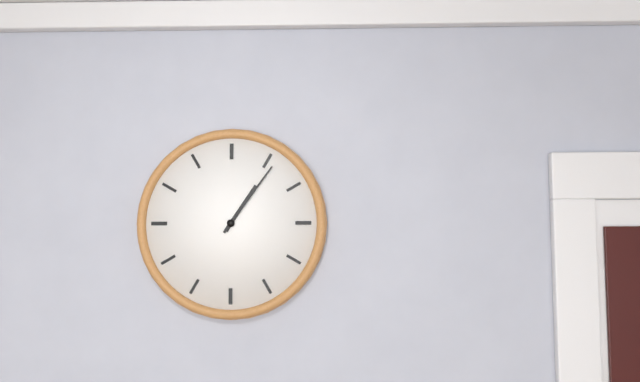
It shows 1:06
